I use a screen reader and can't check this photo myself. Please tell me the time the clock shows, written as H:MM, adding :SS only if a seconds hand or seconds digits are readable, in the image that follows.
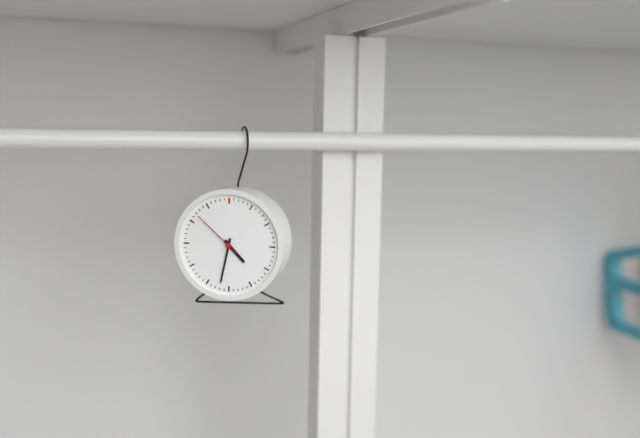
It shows 4:32:52
